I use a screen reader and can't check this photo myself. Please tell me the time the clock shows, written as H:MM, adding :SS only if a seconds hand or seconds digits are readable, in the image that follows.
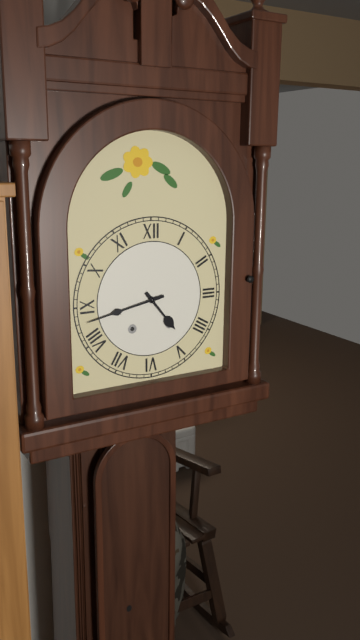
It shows 4:43
